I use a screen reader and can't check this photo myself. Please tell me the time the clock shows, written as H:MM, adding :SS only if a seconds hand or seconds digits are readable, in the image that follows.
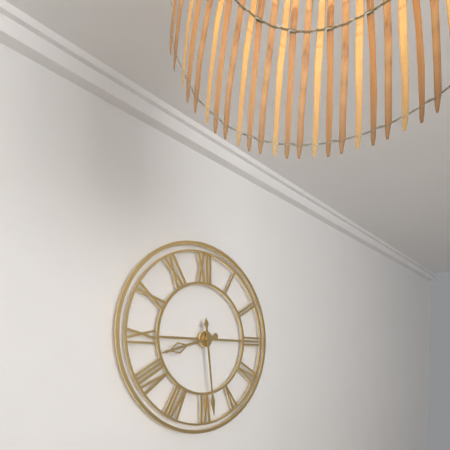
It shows 8:29
